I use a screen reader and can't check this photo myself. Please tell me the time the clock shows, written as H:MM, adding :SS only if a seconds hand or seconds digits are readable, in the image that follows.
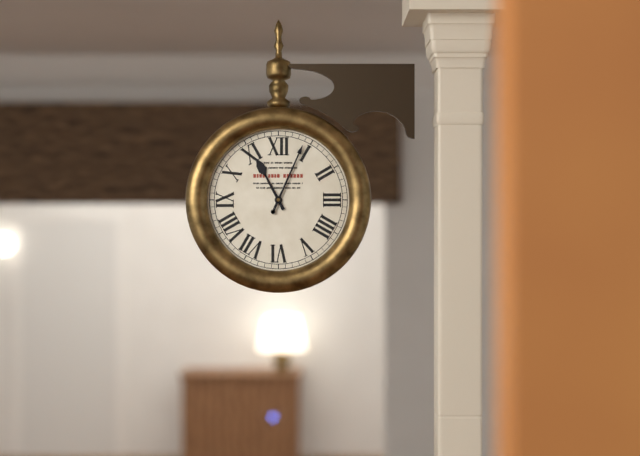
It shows 11:04
